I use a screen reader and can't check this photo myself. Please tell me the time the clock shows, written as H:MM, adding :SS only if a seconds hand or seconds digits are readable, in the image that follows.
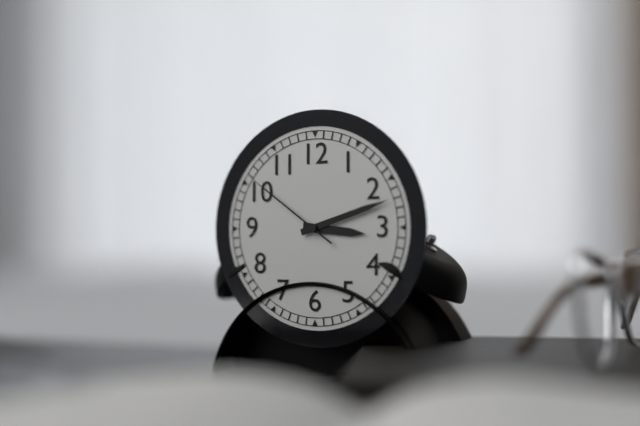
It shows 3:12:51
